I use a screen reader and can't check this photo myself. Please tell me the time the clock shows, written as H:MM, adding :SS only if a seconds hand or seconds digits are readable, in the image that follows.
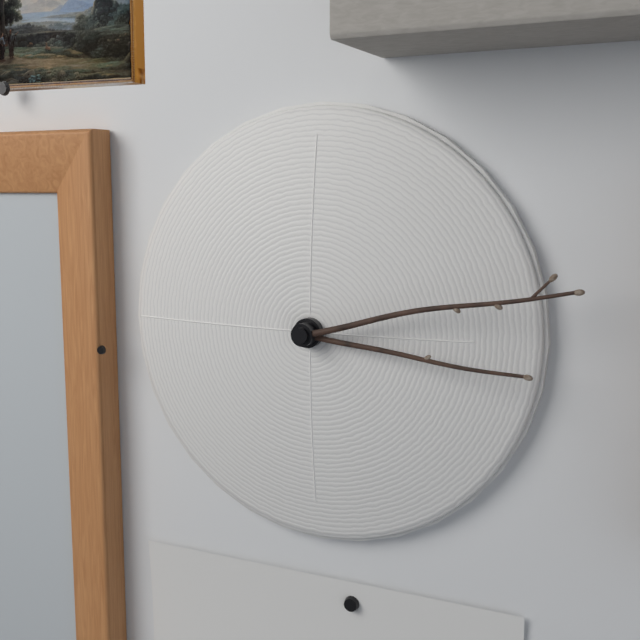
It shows 3:13
